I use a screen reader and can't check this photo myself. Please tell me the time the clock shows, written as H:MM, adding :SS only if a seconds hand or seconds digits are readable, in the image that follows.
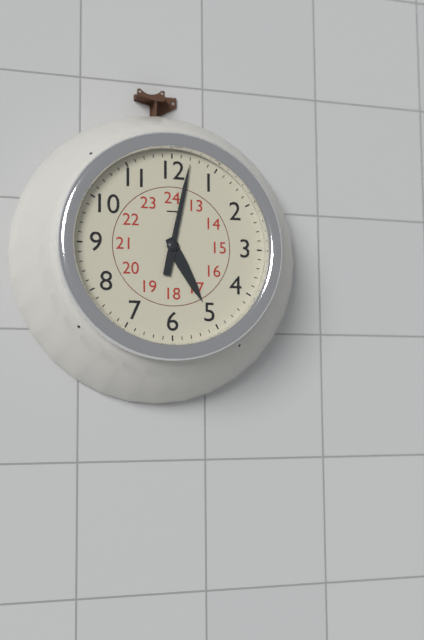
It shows 5:02
